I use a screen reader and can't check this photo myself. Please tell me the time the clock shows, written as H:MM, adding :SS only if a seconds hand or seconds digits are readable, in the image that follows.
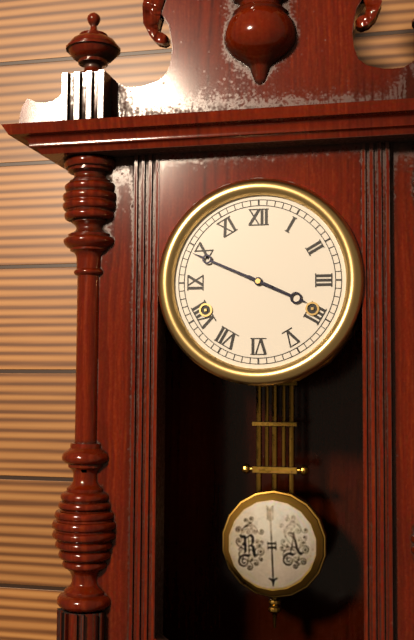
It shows 3:49
